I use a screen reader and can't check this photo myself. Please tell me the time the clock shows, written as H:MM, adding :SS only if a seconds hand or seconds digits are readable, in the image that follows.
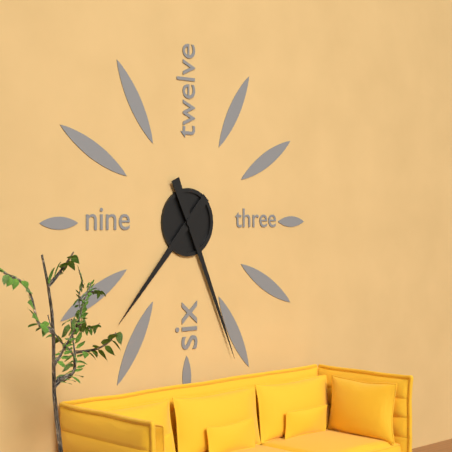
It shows 7:26
